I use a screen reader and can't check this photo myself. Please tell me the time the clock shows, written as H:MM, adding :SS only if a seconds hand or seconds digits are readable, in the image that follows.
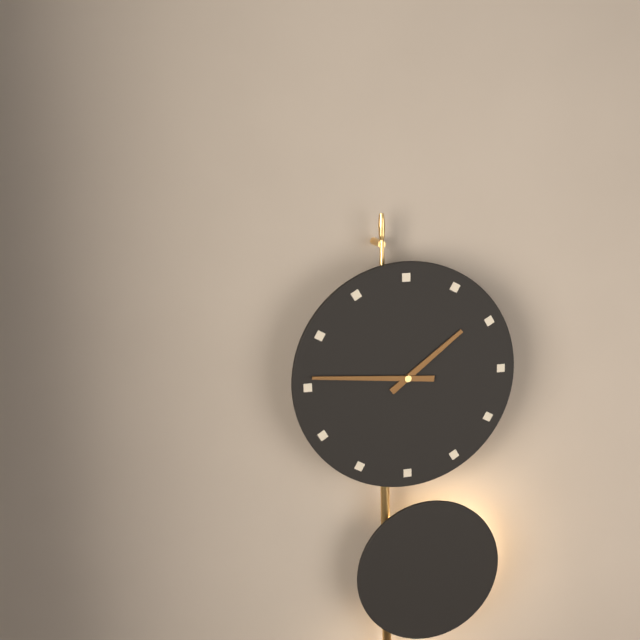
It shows 1:46
